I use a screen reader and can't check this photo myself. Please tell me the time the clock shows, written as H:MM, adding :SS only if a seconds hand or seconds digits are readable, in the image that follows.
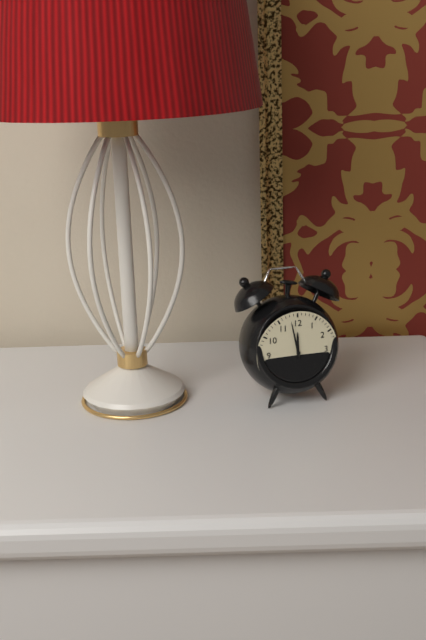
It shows 11:58
